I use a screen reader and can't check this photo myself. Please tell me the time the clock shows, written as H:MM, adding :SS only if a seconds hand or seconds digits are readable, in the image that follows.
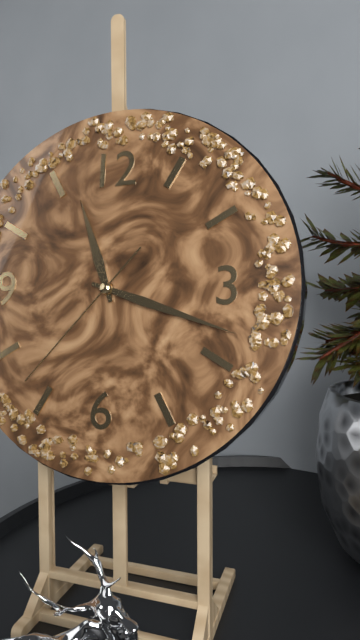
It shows 11:18:37
